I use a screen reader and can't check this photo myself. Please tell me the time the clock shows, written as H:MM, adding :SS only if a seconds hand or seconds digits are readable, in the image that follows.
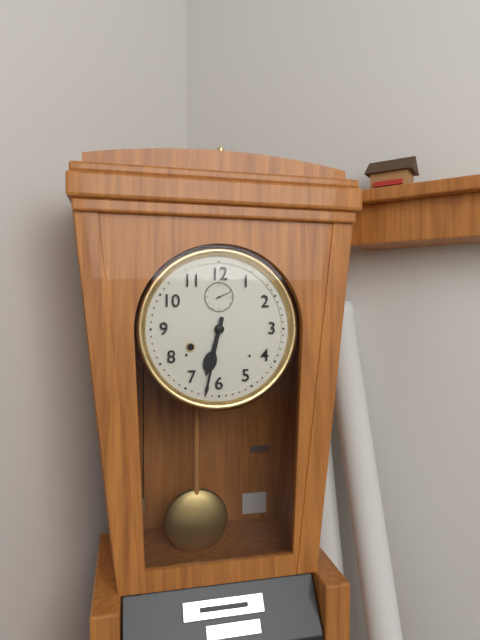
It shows 6:32
